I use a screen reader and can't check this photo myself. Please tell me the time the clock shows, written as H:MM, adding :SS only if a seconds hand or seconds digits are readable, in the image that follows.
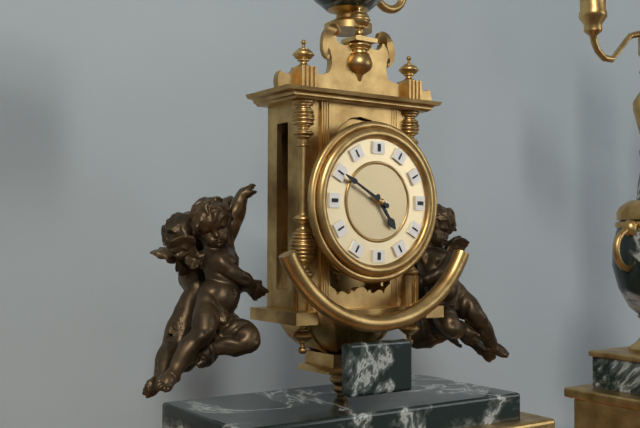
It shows 4:50
